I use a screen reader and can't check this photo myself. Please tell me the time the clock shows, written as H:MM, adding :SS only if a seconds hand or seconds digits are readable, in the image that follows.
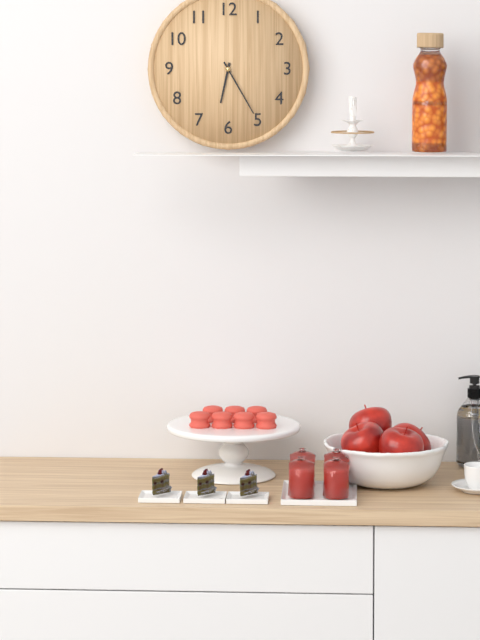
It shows 6:25
